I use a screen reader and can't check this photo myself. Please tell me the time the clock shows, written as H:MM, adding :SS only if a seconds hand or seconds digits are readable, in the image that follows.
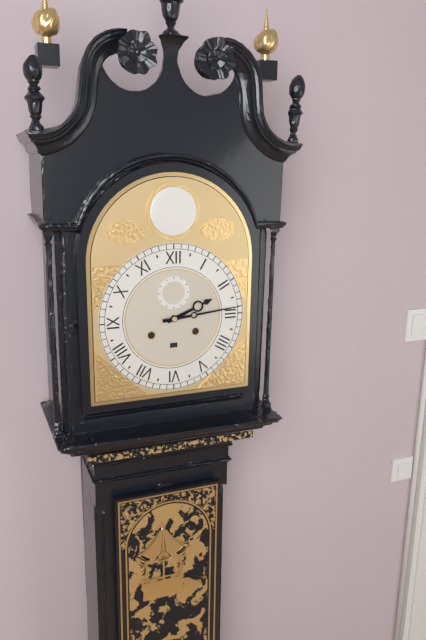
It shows 2:14
